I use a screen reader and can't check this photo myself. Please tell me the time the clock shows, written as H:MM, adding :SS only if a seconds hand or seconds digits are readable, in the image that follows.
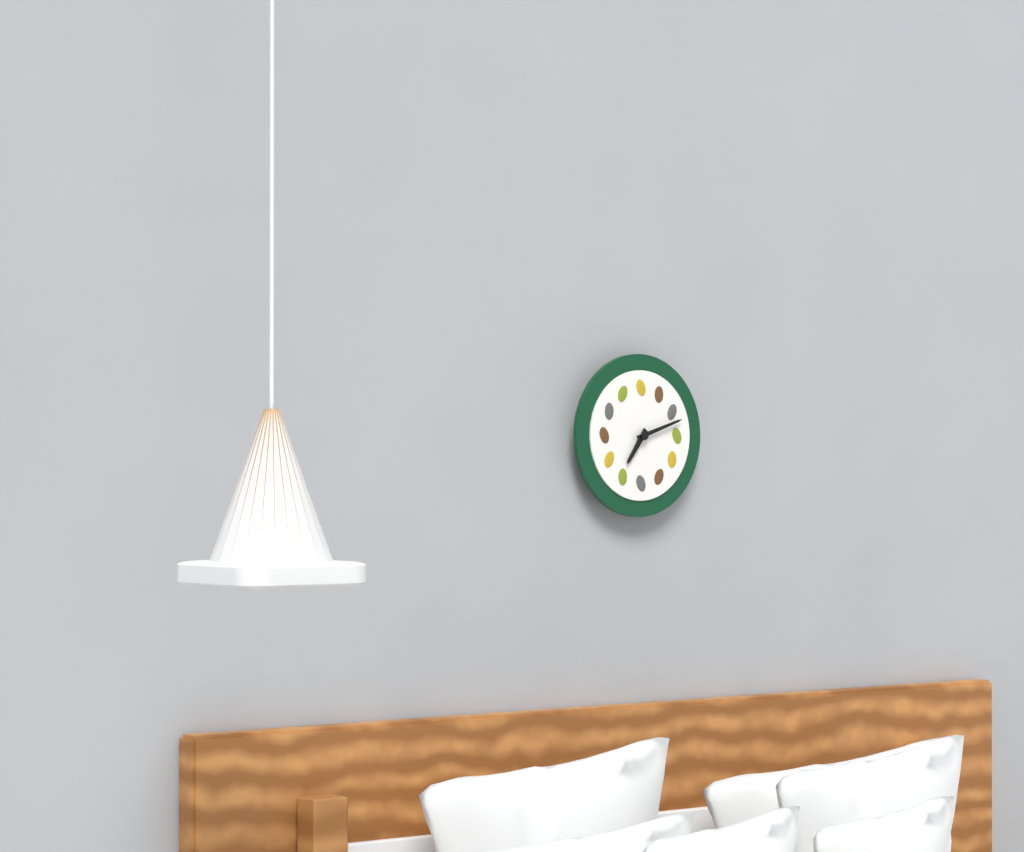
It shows 7:12
